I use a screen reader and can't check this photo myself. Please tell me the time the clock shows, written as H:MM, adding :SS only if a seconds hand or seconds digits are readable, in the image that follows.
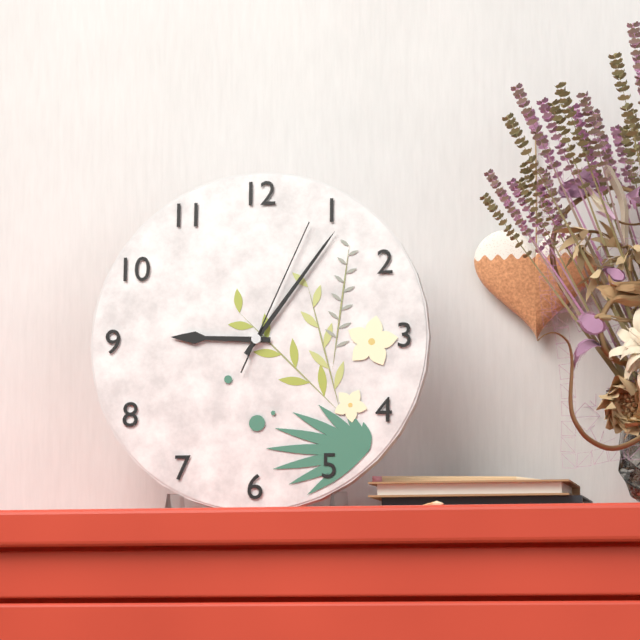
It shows 9:06:04
